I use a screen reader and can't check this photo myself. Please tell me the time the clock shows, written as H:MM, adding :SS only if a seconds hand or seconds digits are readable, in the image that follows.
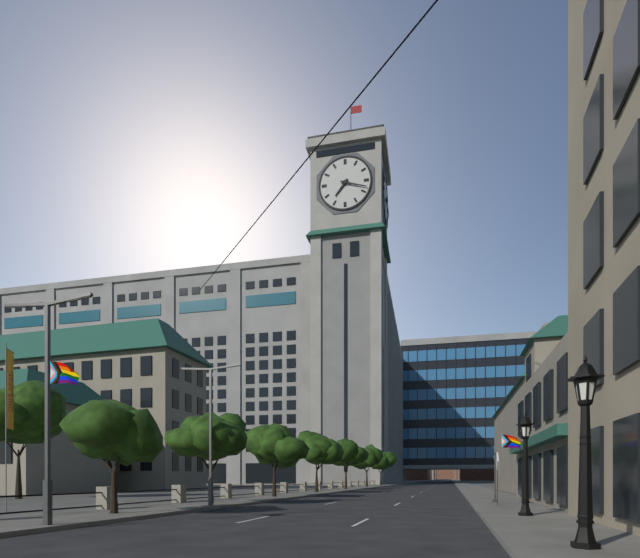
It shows 7:18
